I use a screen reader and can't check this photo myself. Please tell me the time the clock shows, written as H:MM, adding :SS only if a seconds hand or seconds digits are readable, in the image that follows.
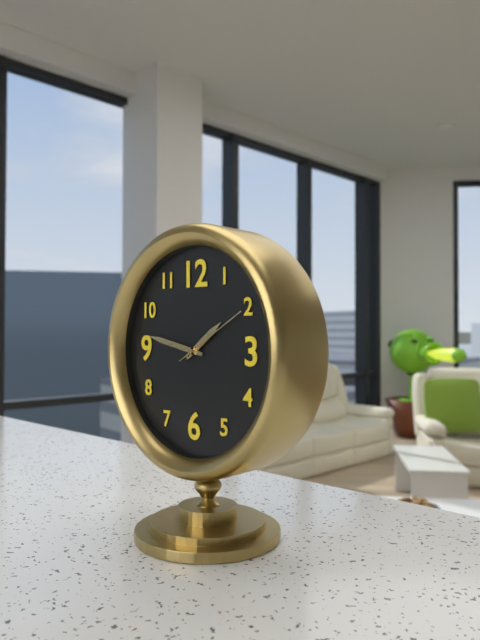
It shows 1:47:10
